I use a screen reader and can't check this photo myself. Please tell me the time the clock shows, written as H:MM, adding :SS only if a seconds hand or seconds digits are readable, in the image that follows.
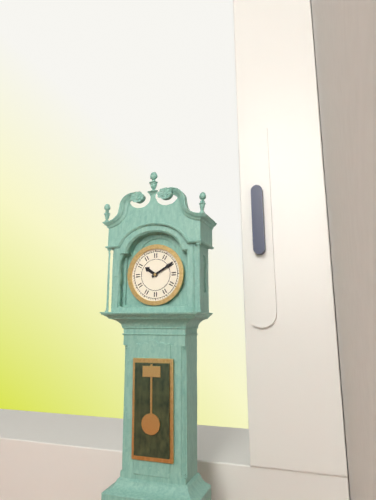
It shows 10:10
